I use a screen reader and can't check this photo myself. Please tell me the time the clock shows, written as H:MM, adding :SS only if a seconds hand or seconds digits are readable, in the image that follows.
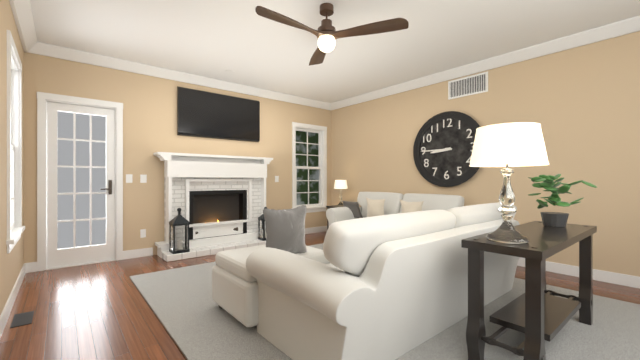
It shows 8:45
